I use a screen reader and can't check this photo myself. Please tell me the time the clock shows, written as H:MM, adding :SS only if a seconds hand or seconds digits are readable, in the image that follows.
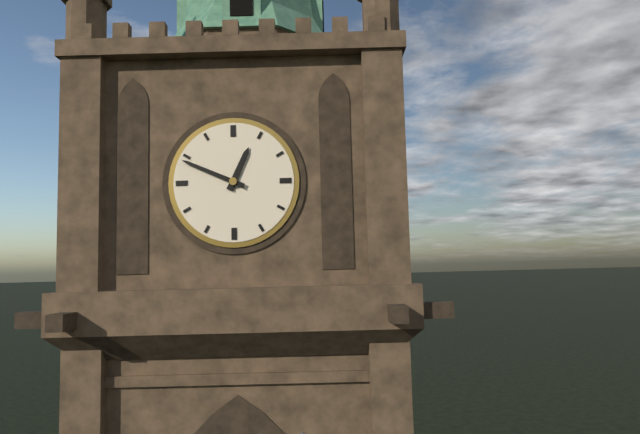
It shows 12:49
